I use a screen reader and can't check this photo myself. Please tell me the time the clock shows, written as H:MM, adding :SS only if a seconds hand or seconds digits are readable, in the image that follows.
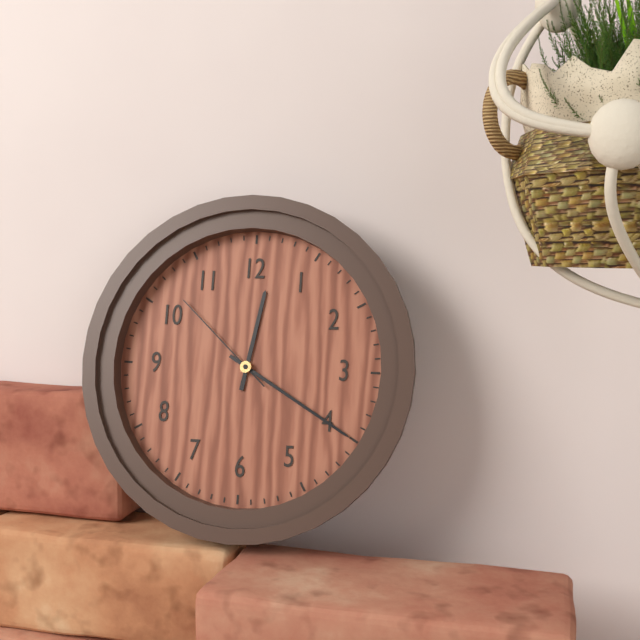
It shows 12:20:52
